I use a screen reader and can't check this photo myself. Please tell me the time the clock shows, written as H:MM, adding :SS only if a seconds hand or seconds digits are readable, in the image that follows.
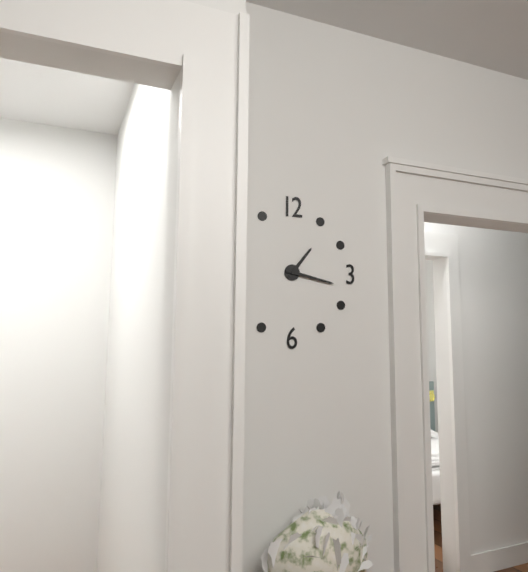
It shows 1:17
